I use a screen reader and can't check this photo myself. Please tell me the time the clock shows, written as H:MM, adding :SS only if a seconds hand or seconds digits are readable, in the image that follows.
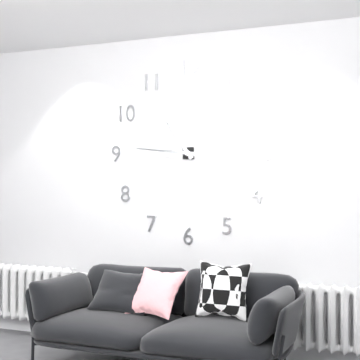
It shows 10:46
